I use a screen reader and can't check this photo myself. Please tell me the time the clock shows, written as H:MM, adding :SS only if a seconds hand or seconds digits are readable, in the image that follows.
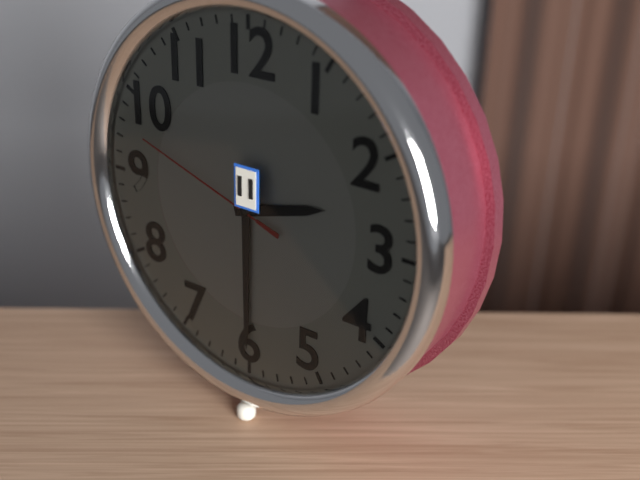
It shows 2:30:48
